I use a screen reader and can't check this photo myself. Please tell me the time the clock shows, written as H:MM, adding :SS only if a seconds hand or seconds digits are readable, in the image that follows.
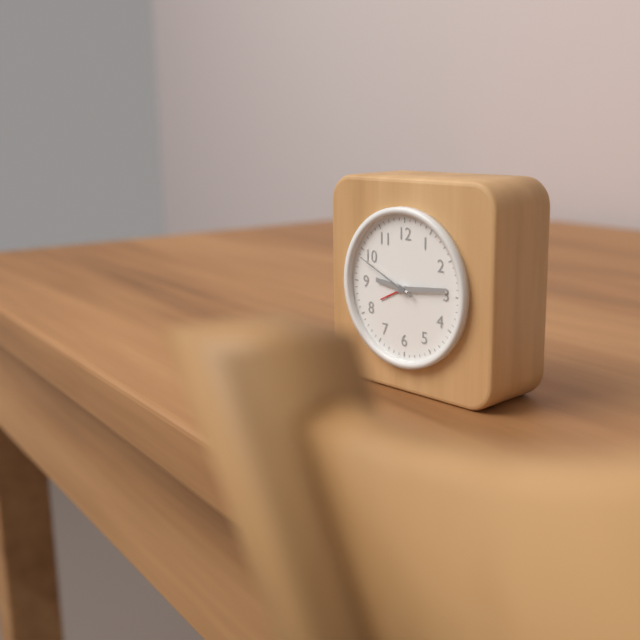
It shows 9:14:49
